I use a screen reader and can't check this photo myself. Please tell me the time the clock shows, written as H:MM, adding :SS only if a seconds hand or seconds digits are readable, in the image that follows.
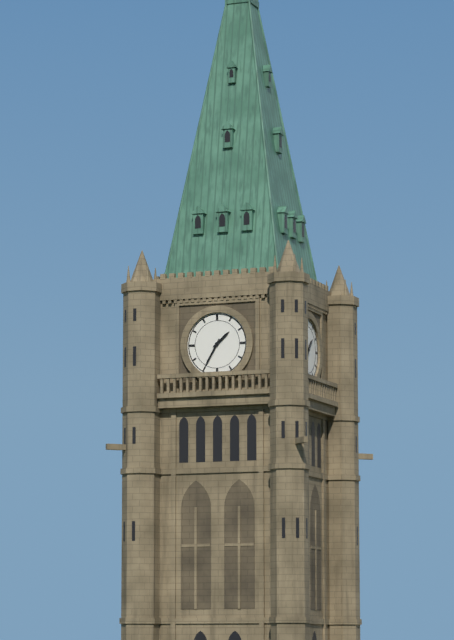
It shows 1:35
